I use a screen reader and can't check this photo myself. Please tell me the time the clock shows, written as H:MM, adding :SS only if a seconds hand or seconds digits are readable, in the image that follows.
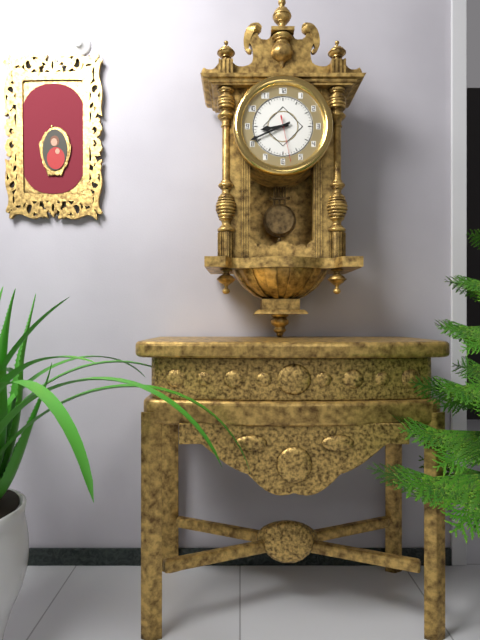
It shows 8:41
